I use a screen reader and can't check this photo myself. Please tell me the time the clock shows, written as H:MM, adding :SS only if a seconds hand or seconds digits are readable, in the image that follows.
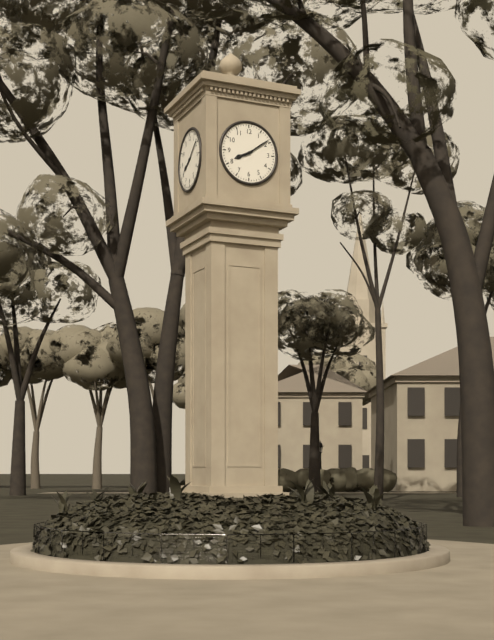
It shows 8:09
